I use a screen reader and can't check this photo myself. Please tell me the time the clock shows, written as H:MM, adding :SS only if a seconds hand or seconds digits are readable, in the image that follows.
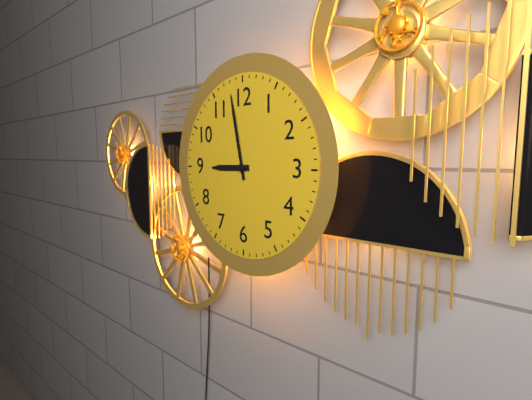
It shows 8:58
